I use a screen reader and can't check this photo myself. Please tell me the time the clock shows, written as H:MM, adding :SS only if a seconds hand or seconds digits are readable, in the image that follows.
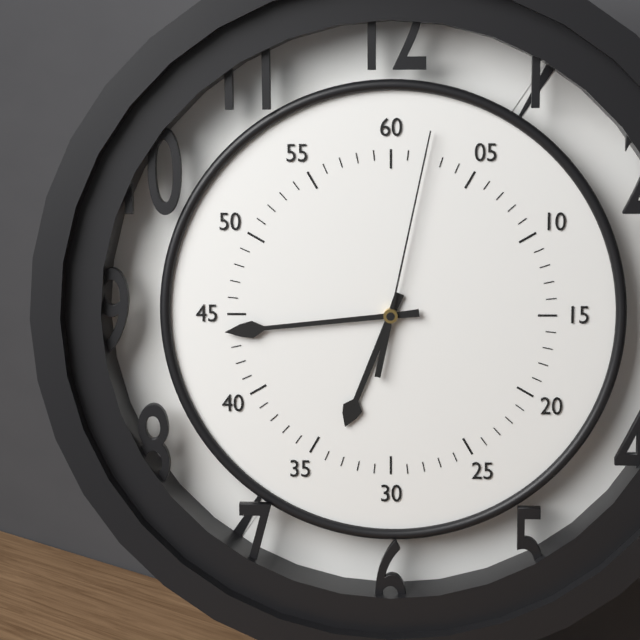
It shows 6:44:02
